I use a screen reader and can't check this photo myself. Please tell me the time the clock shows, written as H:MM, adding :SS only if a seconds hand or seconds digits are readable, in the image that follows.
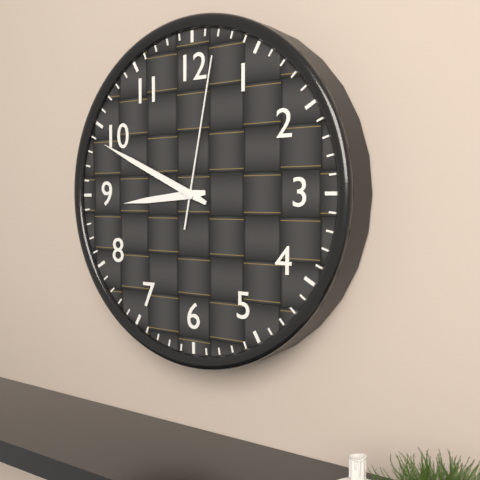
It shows 8:49:02
